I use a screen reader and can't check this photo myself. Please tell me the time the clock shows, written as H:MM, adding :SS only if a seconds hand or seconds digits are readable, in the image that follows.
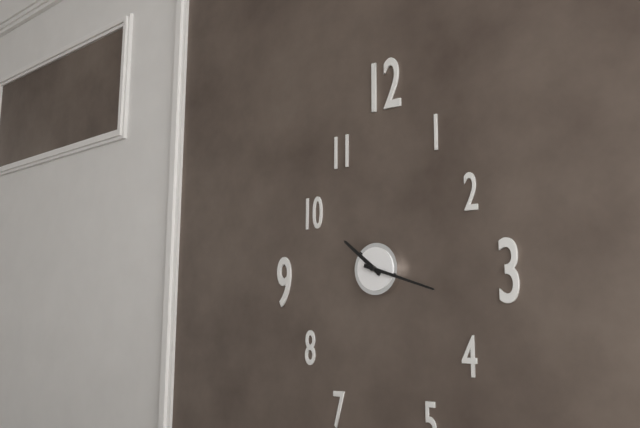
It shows 10:18
